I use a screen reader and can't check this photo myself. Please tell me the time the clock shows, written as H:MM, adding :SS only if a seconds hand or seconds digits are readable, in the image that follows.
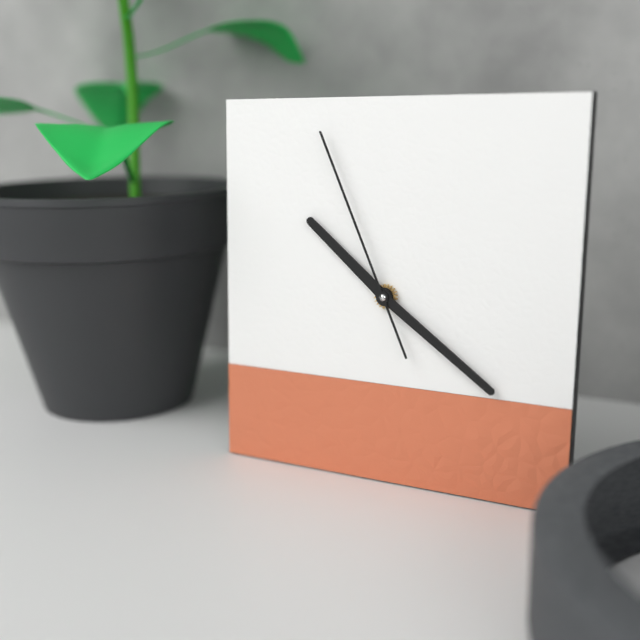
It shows 10:21:56
